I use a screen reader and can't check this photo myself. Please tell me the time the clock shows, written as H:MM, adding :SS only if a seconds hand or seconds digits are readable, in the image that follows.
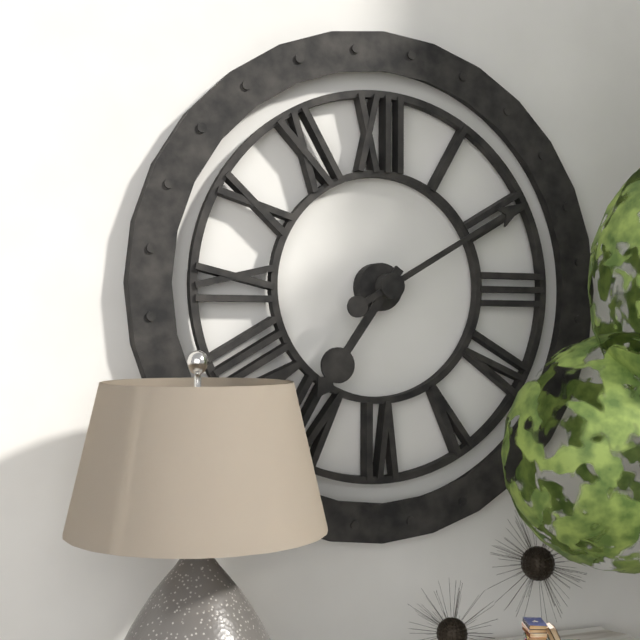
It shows 7:10
